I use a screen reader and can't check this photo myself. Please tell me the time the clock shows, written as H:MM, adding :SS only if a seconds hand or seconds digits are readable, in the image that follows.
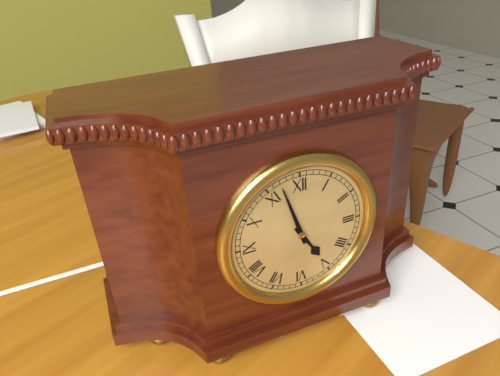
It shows 4:57
